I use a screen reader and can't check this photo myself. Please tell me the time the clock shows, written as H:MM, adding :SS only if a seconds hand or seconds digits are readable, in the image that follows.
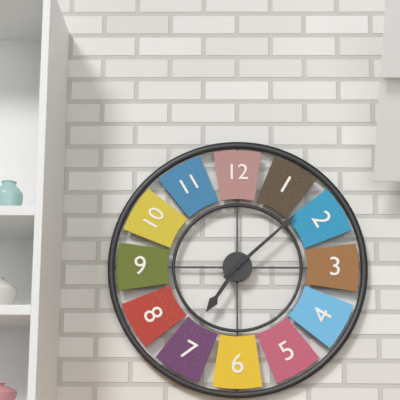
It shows 7:08
